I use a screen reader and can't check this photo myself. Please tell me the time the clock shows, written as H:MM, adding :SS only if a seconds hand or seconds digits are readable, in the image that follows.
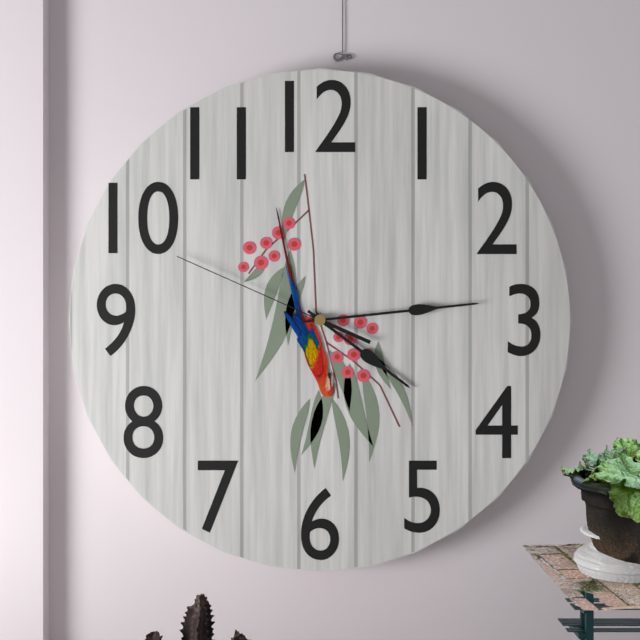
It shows 4:14:49
